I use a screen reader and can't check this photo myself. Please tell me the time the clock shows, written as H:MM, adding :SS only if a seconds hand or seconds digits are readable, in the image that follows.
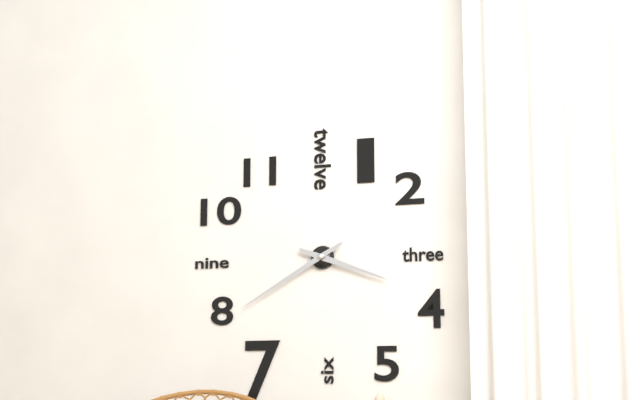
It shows 3:40
